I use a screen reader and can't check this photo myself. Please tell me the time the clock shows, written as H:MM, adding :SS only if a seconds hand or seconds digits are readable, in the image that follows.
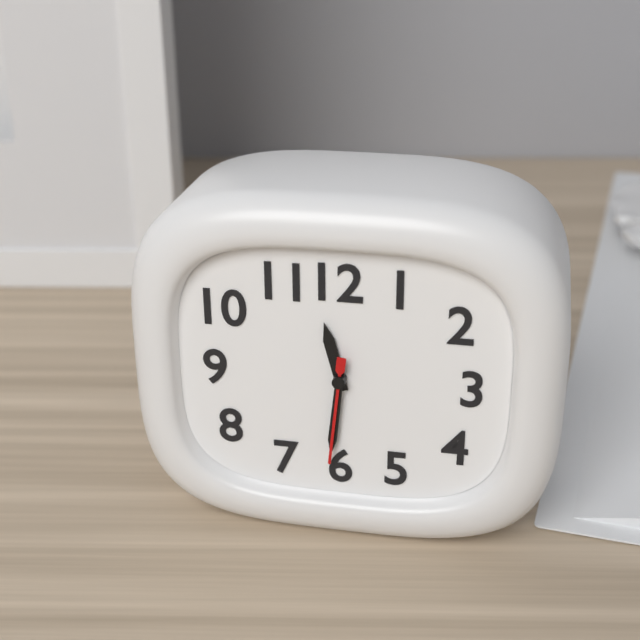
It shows 11:31:31
